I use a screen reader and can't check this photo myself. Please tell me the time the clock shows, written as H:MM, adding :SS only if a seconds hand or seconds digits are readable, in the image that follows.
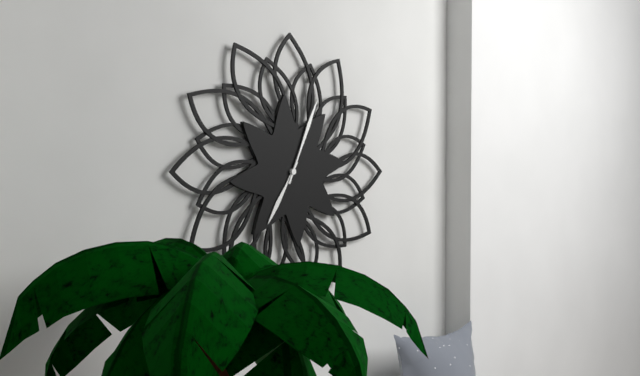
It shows 7:04
